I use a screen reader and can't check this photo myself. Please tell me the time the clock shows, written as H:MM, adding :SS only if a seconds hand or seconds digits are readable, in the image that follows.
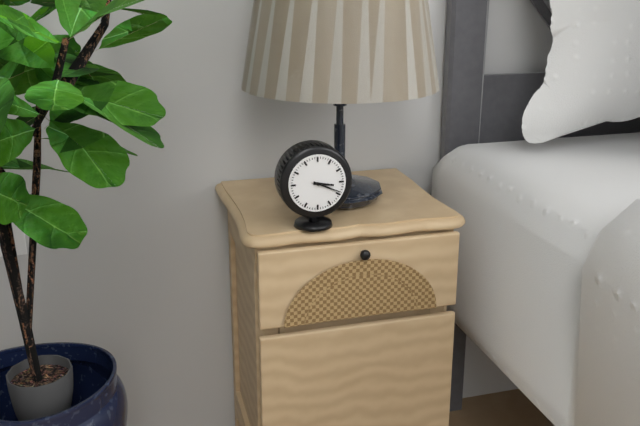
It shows 3:19
